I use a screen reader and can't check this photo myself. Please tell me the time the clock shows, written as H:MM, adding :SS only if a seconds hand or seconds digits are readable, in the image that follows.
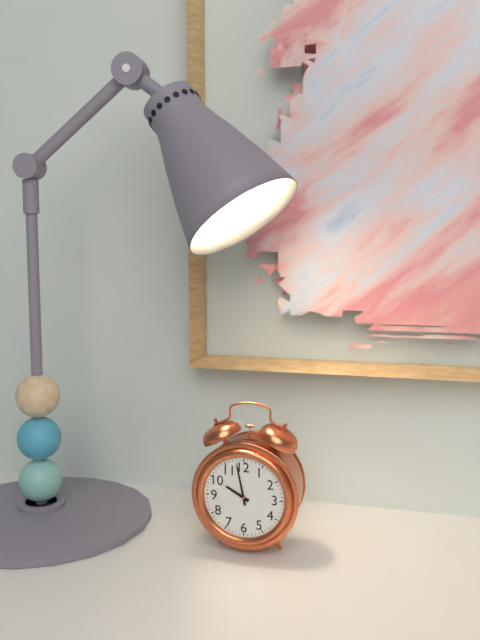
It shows 9:58
